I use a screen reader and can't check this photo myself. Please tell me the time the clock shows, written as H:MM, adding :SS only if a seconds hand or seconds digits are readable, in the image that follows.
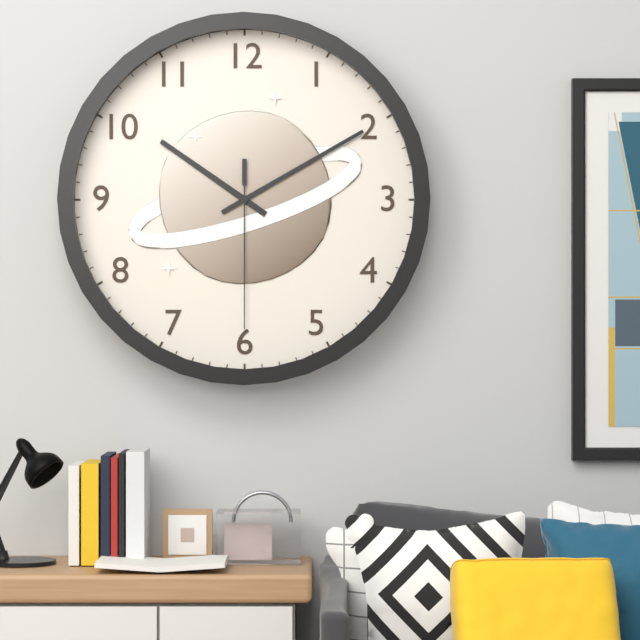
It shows 10:10:30
